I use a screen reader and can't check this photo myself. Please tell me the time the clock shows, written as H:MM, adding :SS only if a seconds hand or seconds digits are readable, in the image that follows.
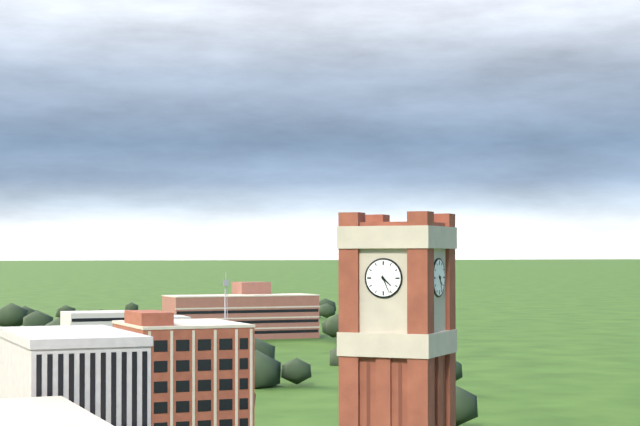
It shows 4:26
